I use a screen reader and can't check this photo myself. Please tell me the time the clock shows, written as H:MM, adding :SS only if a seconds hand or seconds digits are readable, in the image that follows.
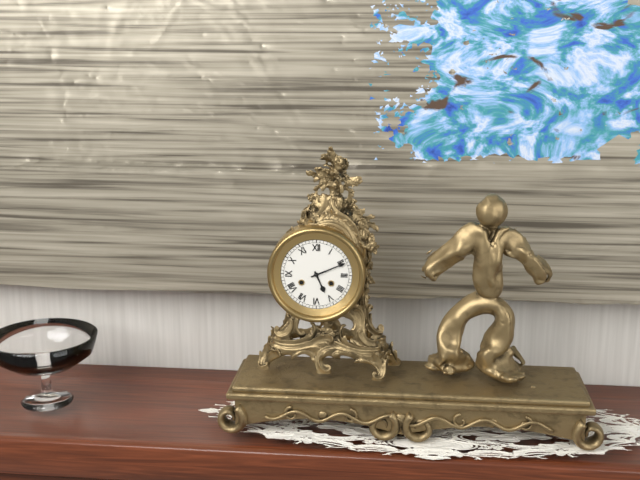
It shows 5:11
